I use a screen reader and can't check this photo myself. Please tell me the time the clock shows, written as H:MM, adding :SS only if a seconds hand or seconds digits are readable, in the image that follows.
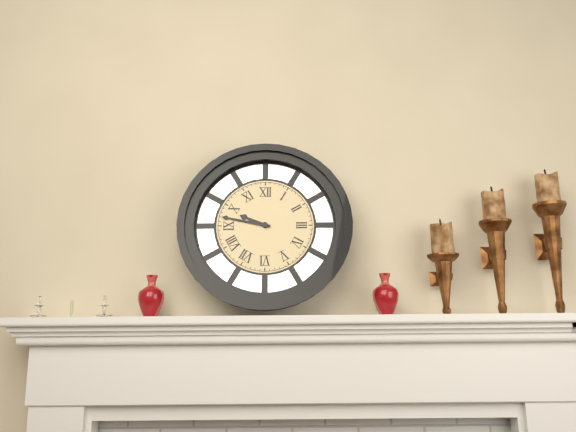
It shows 9:47
